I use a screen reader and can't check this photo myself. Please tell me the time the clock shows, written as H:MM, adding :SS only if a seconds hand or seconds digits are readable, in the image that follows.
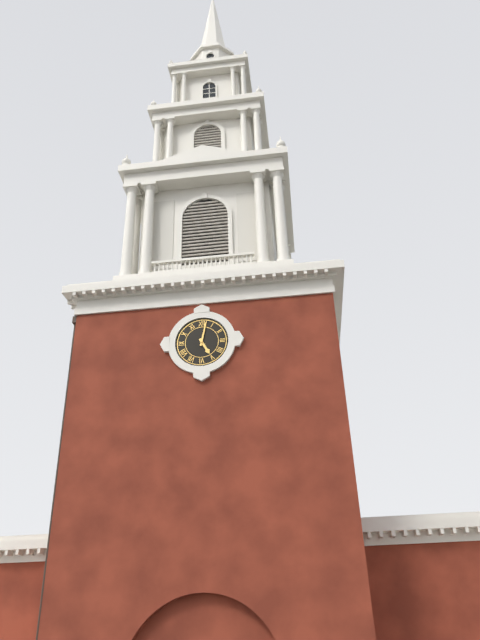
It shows 5:02
